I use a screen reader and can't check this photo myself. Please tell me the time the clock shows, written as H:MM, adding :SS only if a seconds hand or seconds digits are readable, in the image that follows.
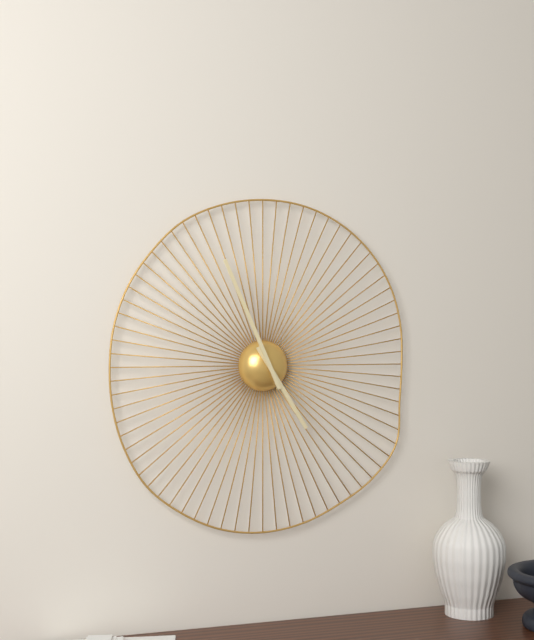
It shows 4:56
